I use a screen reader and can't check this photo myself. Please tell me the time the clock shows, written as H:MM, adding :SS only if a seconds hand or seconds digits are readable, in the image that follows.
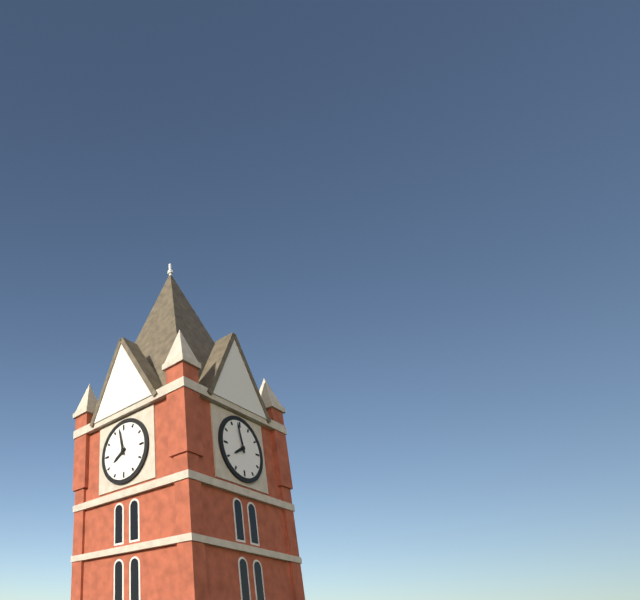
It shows 7:58
